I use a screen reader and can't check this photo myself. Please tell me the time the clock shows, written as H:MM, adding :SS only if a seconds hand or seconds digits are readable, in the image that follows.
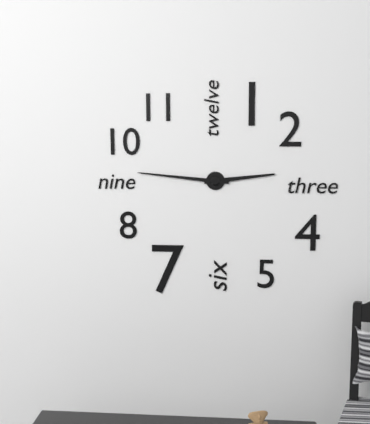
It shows 2:46
